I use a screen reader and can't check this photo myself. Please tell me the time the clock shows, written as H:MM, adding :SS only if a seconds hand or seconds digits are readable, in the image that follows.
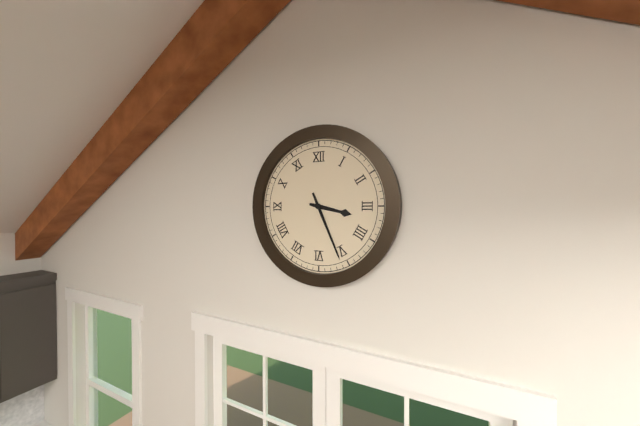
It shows 3:26
